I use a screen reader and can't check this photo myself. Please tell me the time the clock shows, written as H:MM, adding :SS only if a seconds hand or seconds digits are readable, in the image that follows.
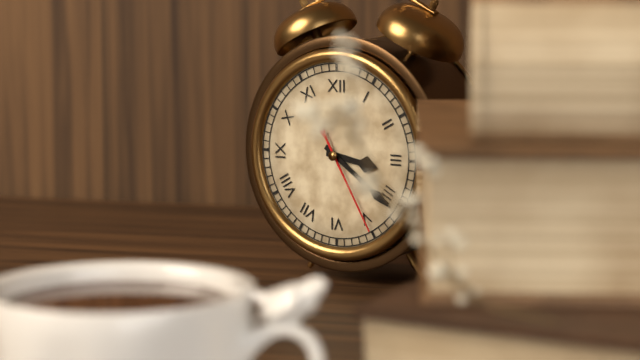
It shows 3:21:25
